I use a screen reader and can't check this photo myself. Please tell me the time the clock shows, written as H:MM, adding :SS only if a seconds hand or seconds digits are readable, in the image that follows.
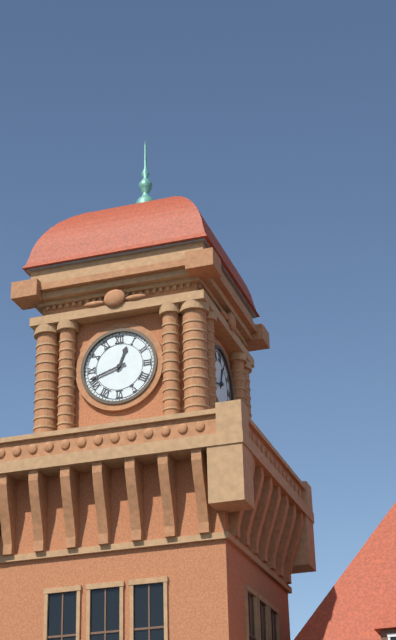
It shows 12:42
